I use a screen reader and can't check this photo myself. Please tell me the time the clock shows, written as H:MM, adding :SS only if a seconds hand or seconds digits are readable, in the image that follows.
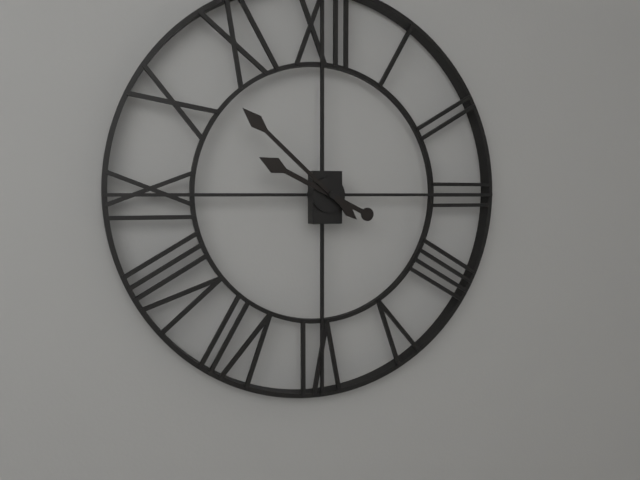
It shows 9:52
